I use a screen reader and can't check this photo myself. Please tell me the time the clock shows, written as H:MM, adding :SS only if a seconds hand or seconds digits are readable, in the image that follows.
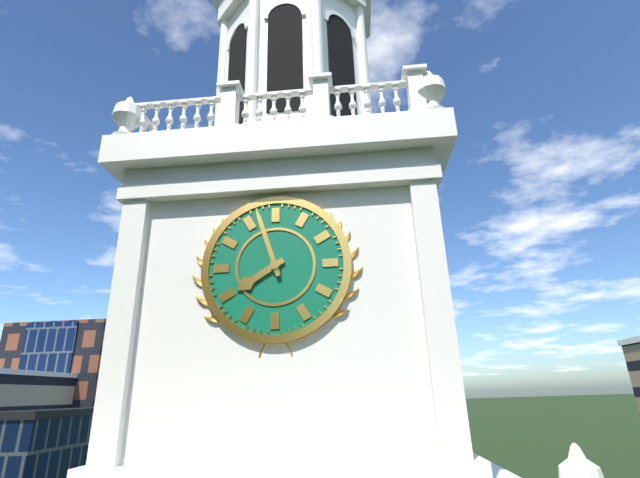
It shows 7:57
